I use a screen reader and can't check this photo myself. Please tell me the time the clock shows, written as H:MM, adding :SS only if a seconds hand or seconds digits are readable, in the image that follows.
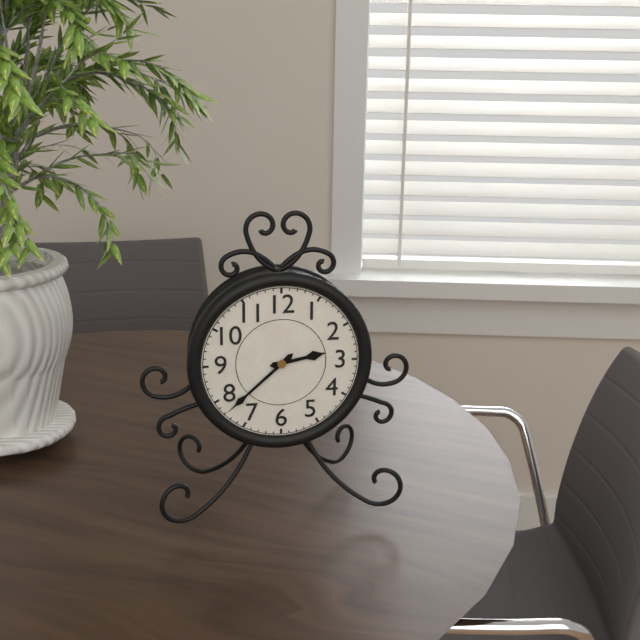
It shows 2:38
